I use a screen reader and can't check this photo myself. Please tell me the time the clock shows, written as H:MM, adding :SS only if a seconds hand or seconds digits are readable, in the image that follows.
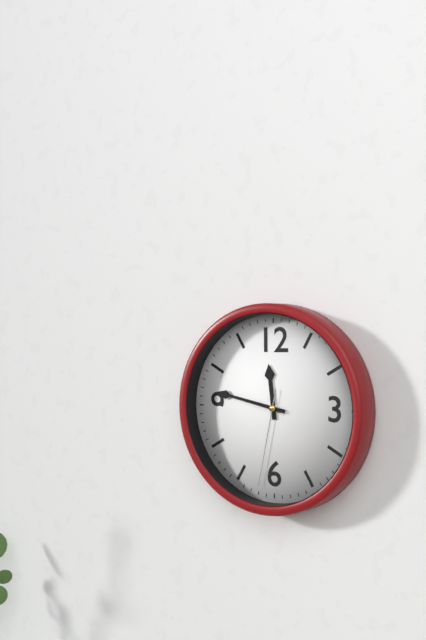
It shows 11:47:32
